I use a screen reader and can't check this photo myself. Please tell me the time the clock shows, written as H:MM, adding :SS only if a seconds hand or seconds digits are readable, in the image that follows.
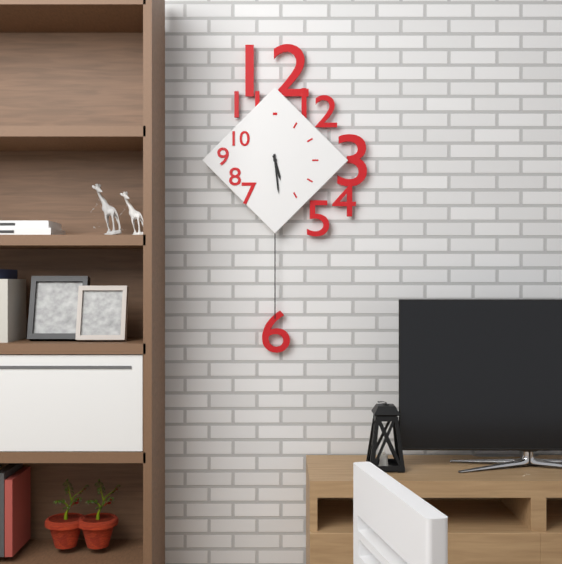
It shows 5:29
